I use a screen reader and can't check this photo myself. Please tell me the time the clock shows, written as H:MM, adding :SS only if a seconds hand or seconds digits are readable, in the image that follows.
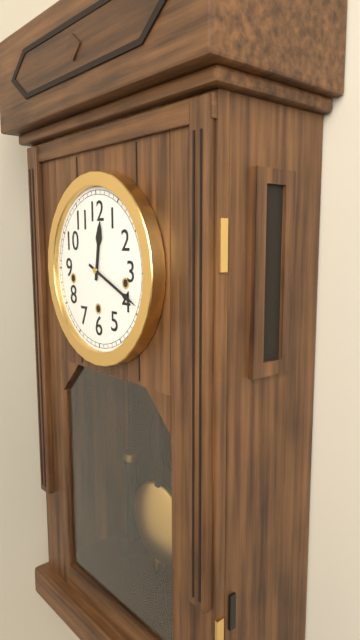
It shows 12:19
